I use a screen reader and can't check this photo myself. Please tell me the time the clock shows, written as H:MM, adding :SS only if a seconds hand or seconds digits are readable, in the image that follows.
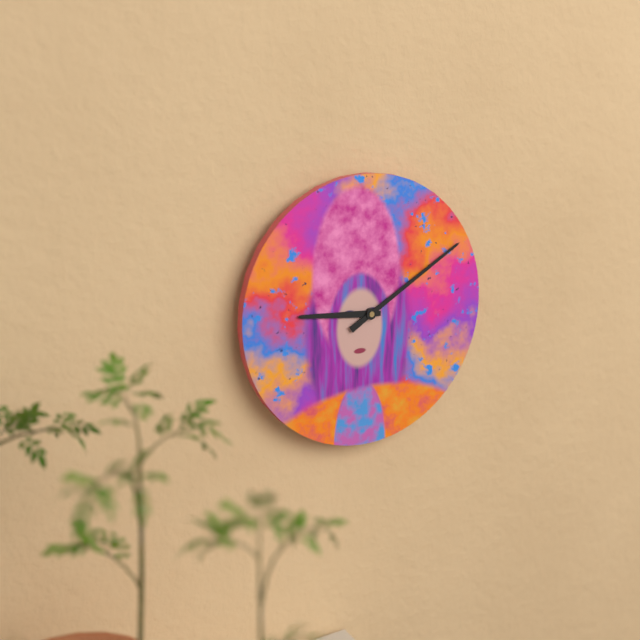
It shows 9:10
